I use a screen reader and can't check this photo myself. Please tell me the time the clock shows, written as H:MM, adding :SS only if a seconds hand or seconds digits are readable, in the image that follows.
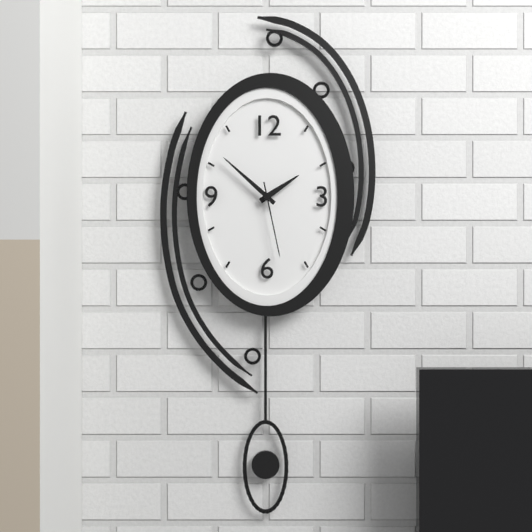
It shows 1:52:28
